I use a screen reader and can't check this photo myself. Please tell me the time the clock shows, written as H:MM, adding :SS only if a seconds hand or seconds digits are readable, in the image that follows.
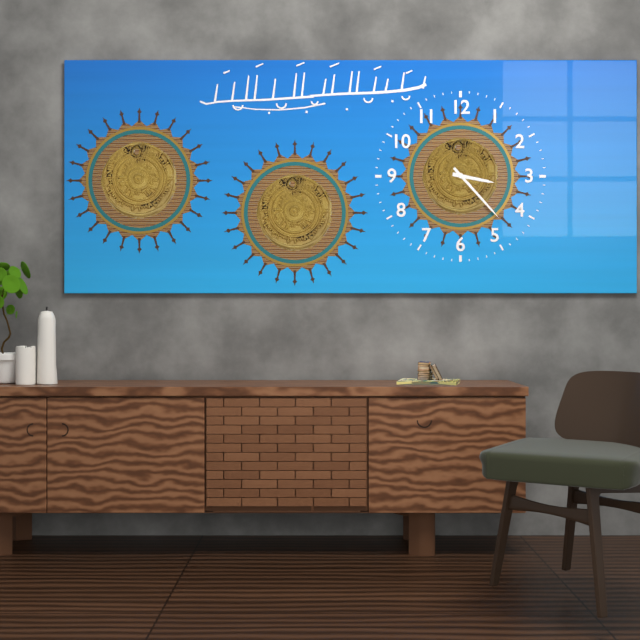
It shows 3:23
